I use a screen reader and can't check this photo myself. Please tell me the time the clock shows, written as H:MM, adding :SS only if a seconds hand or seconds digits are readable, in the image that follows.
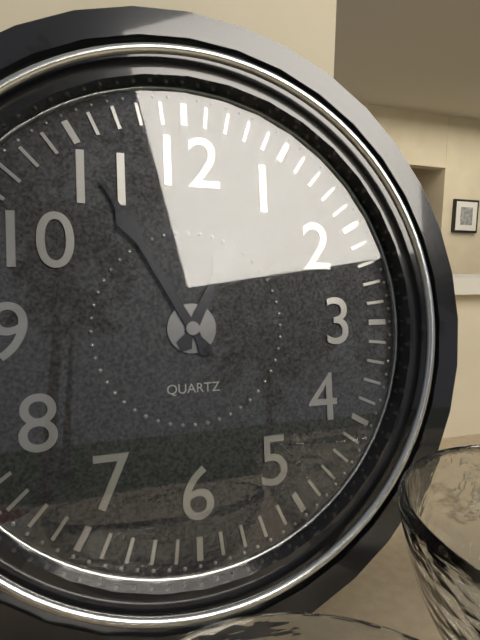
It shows 12:55
